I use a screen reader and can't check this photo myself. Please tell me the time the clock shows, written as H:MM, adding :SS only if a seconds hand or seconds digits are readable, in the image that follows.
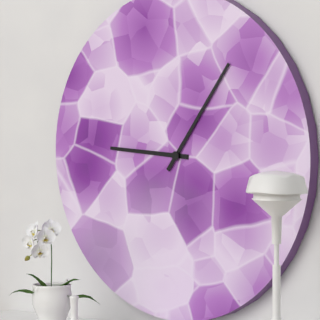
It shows 9:06
